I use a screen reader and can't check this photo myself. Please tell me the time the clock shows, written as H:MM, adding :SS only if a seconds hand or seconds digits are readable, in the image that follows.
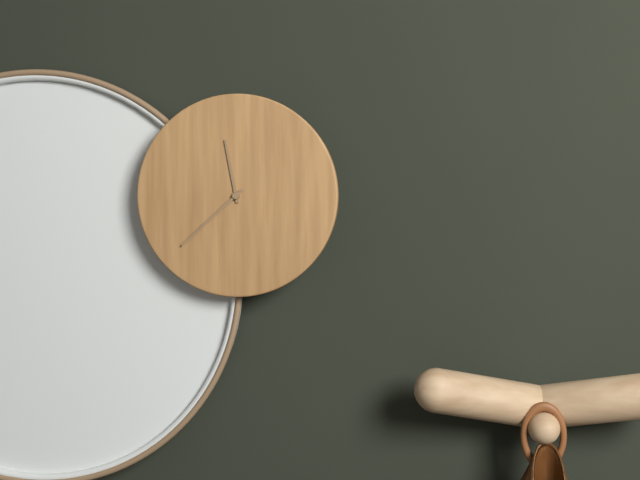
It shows 11:38
